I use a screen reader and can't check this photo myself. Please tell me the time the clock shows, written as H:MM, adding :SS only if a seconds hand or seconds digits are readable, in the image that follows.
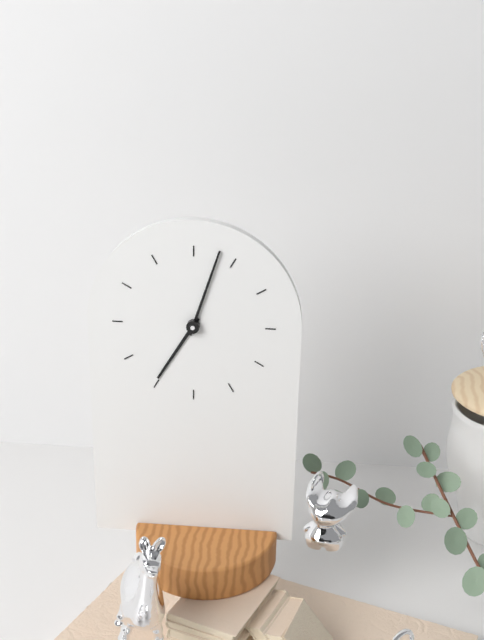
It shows 7:03
